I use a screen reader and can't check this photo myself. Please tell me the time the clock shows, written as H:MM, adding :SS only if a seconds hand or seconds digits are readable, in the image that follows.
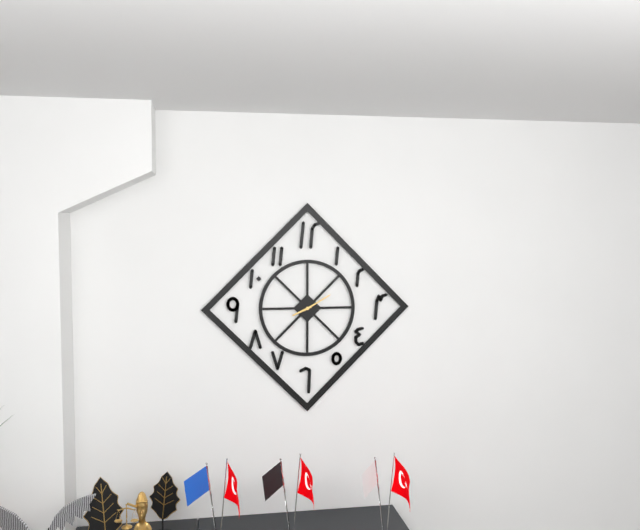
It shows 8:10
